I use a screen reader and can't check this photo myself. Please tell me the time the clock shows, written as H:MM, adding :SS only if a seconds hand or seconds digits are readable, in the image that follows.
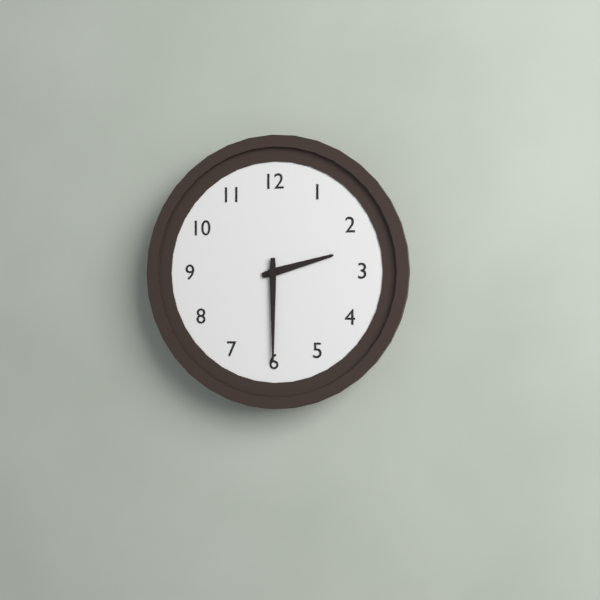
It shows 2:30
